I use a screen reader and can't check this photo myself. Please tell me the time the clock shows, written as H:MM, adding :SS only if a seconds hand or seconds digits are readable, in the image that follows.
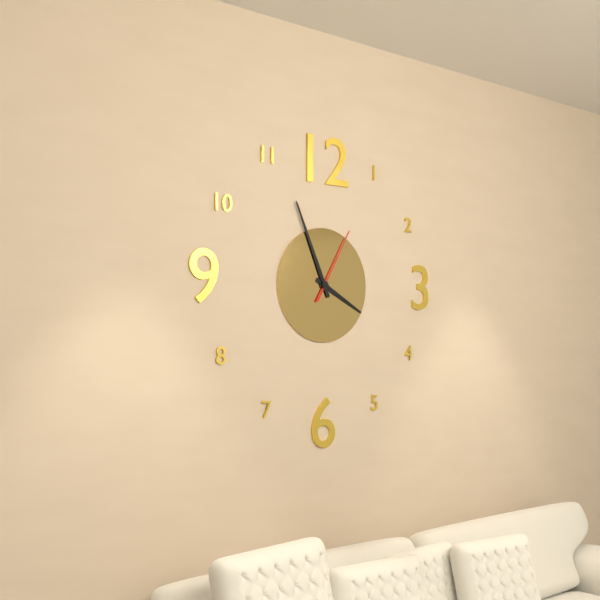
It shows 3:56:05
